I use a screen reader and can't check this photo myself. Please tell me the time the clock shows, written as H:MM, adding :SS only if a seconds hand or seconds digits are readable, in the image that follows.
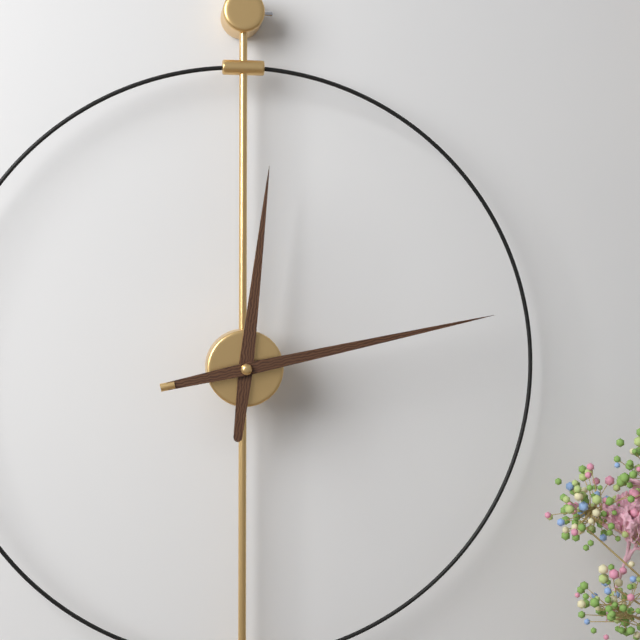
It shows 12:13
